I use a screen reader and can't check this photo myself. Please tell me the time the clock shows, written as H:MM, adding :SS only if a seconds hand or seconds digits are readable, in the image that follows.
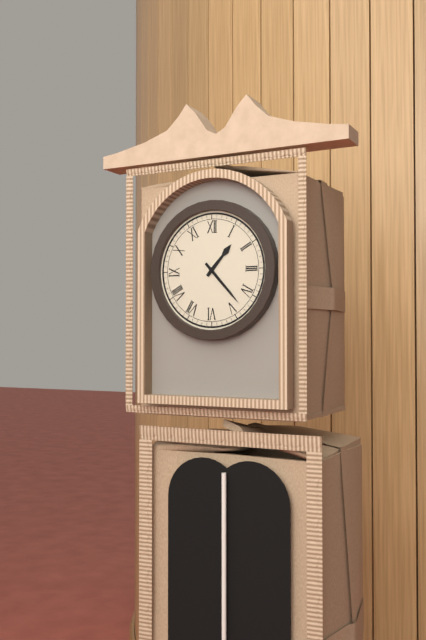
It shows 1:23
